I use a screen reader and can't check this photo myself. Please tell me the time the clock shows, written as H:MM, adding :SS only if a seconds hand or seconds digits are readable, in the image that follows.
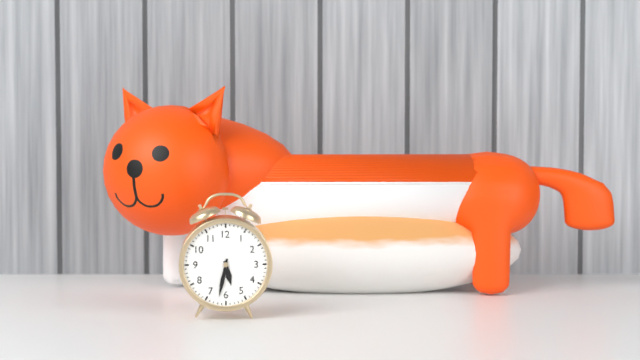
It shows 5:32
